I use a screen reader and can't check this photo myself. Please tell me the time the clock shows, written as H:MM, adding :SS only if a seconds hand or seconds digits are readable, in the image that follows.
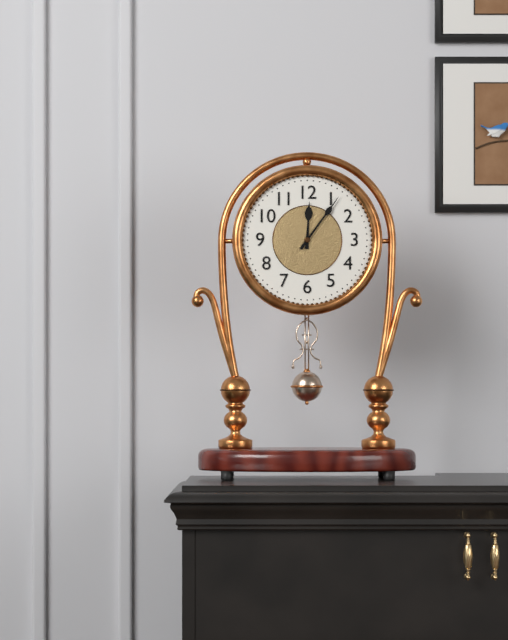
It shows 12:06
